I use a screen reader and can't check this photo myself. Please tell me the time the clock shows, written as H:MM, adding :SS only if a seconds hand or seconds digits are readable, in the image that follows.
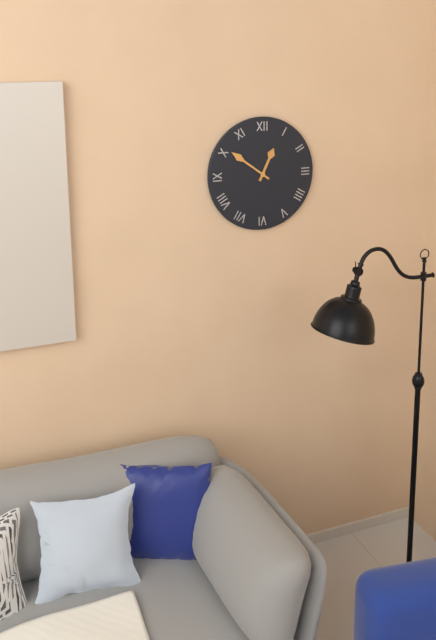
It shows 12:51
